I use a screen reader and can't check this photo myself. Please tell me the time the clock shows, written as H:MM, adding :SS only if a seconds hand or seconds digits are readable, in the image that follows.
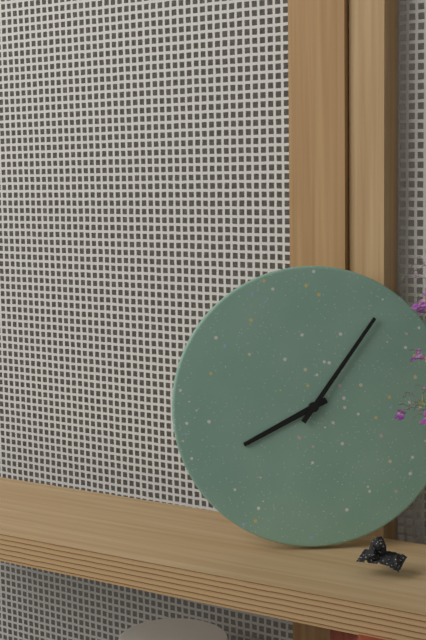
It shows 8:06
